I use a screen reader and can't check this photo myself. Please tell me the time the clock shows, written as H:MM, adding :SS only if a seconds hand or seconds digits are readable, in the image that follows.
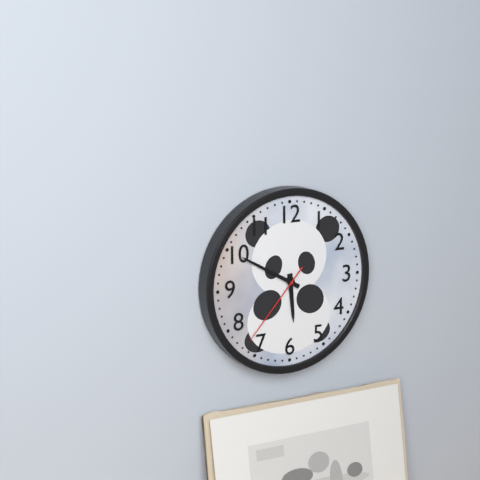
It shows 5:50:37
